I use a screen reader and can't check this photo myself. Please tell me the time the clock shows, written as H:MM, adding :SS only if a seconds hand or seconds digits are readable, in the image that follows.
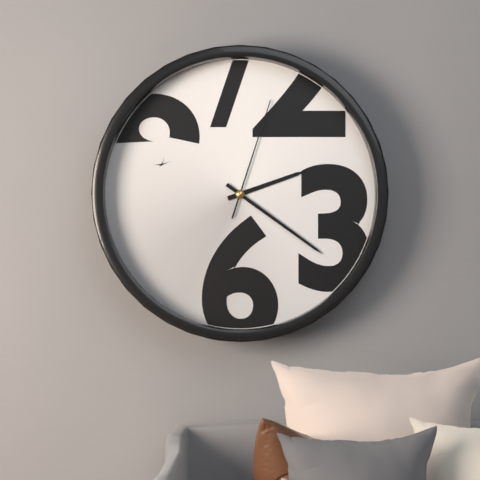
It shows 2:21:03
